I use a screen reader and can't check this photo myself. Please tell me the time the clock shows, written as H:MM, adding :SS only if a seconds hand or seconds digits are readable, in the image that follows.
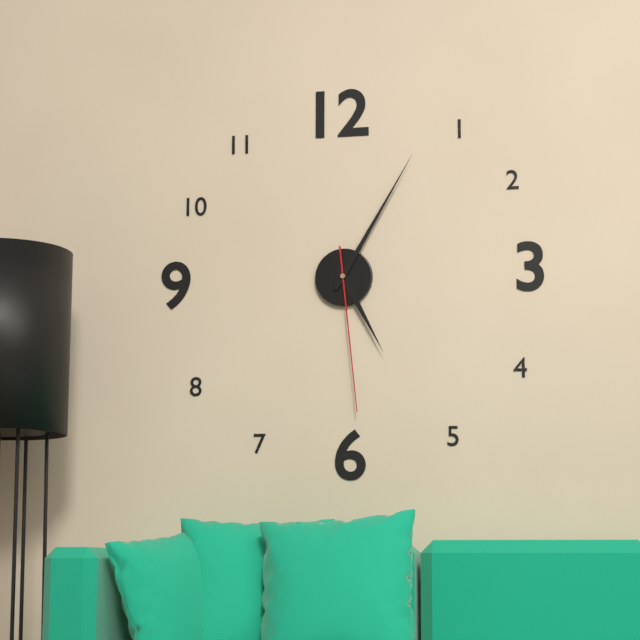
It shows 5:05:29
